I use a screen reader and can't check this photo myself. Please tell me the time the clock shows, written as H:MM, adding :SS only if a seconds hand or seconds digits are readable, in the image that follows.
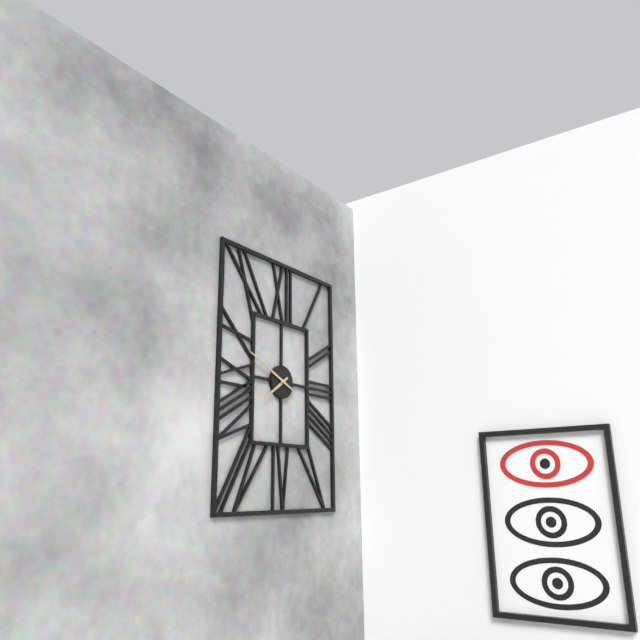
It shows 7:49
